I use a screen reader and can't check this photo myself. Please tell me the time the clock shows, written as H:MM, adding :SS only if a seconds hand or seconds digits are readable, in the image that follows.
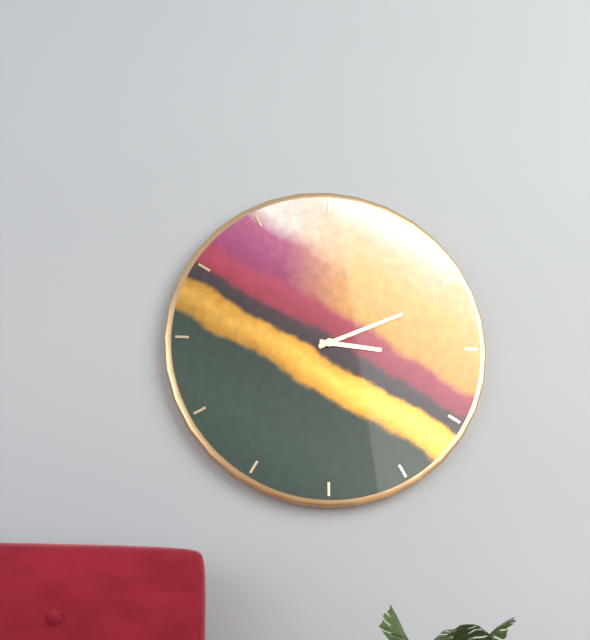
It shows 3:11
